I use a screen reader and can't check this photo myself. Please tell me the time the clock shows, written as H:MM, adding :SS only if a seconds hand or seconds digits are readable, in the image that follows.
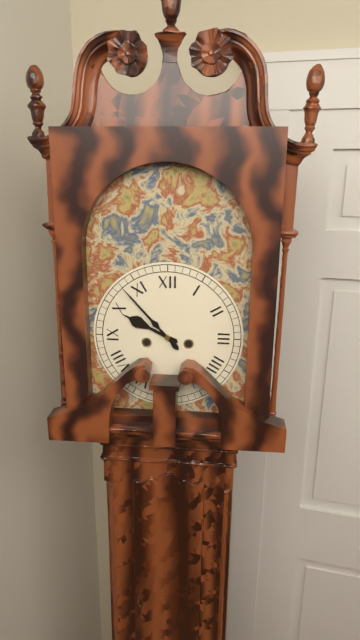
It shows 9:53
